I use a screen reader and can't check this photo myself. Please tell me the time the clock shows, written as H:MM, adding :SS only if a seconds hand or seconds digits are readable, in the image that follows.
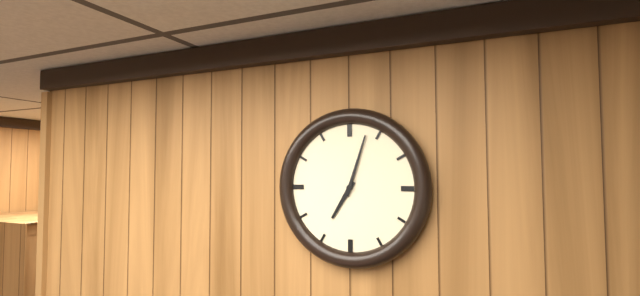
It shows 7:03
